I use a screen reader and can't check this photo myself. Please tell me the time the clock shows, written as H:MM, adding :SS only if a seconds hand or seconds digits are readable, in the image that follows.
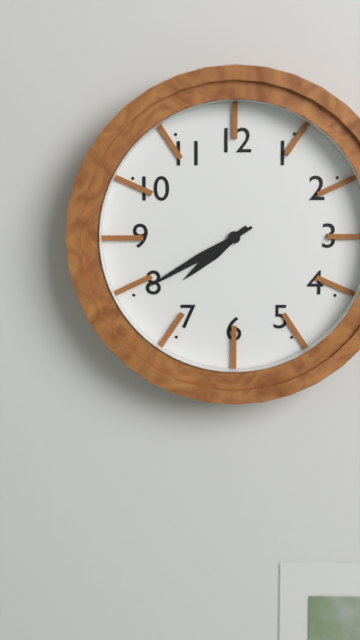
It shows 7:40
